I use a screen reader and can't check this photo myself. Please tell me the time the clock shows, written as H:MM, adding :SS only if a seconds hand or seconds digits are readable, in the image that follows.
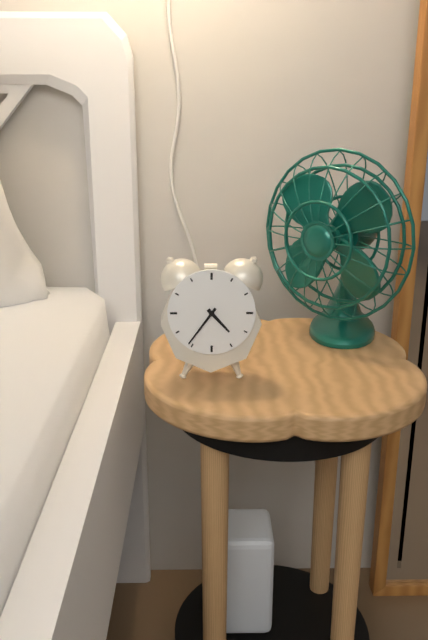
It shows 4:36
